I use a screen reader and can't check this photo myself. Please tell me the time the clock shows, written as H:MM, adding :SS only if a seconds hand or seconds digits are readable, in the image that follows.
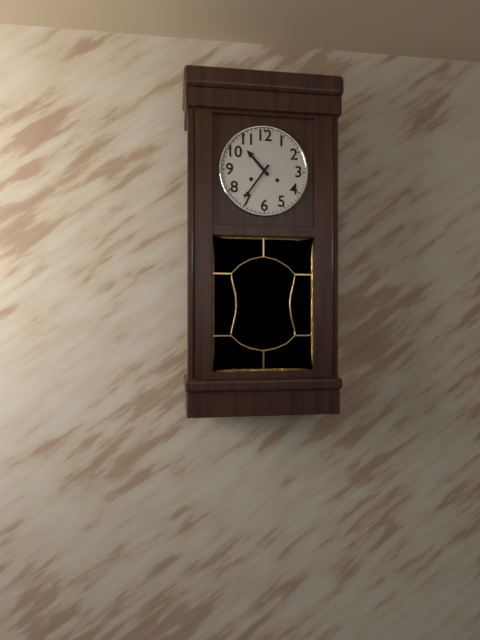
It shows 10:36
